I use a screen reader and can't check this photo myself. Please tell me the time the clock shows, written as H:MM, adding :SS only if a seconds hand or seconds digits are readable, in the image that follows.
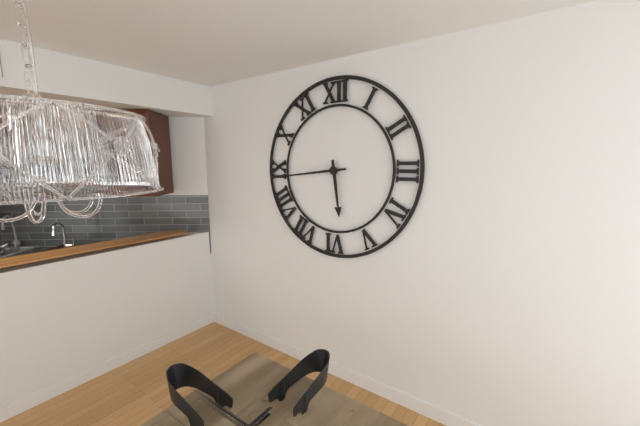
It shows 5:44
